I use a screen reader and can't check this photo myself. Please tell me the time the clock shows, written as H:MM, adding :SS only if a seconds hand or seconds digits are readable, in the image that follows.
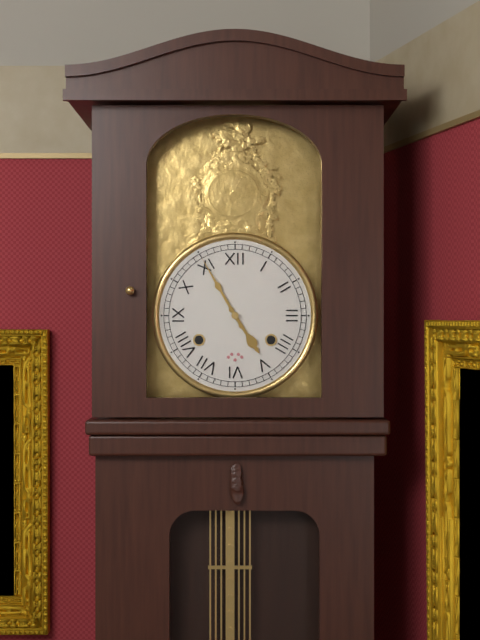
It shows 4:55
